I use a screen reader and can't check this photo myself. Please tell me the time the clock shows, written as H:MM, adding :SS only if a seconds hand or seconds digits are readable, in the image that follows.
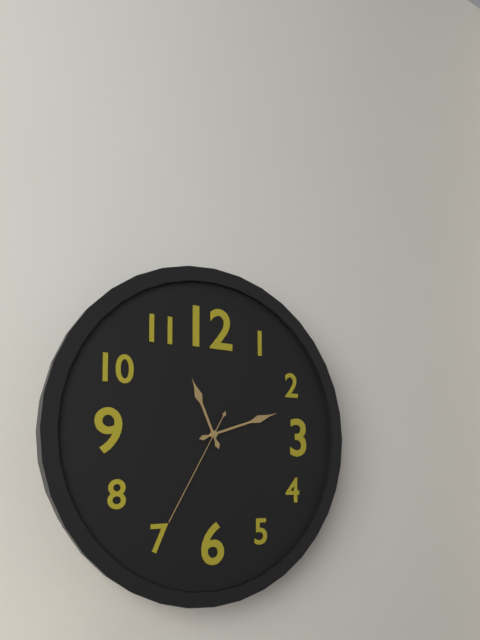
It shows 11:12:35
